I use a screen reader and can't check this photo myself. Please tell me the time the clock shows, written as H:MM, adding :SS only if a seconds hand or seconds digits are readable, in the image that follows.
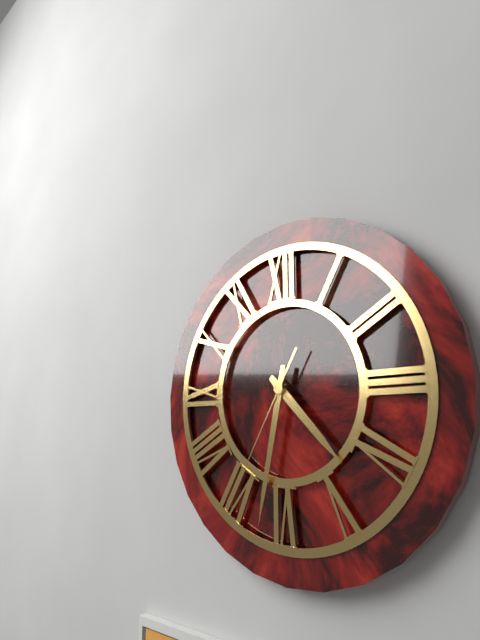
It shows 4:32:35
